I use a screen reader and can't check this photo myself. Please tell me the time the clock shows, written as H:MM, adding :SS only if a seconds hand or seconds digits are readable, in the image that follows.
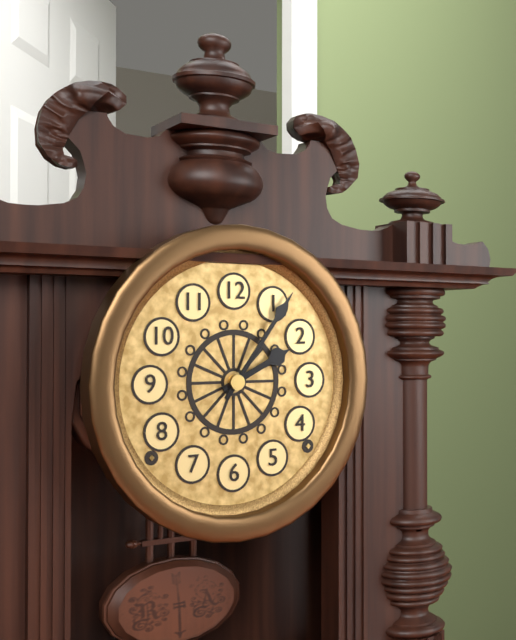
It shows 2:06
